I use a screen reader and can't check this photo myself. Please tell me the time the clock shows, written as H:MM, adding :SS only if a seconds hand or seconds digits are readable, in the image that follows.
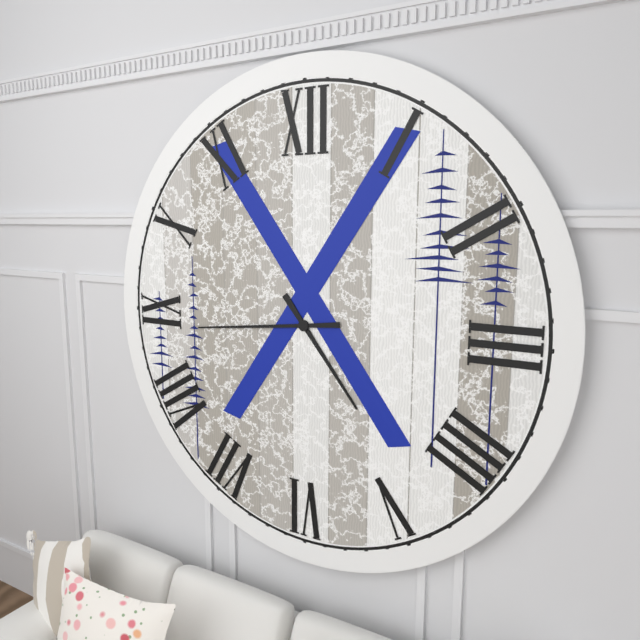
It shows 4:44
